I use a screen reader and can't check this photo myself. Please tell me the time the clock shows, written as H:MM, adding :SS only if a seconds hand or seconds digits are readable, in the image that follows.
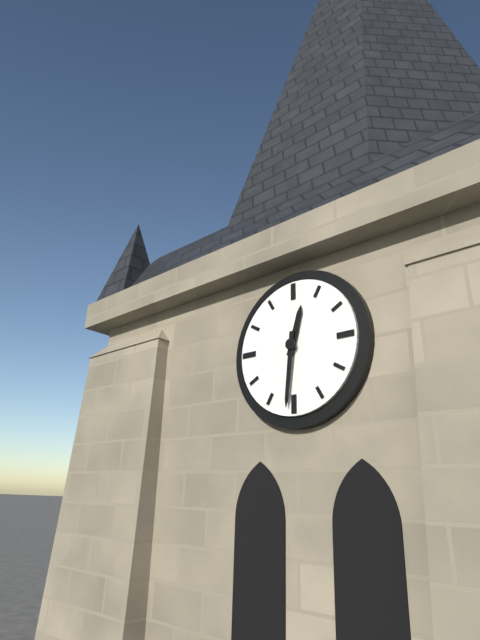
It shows 12:31
